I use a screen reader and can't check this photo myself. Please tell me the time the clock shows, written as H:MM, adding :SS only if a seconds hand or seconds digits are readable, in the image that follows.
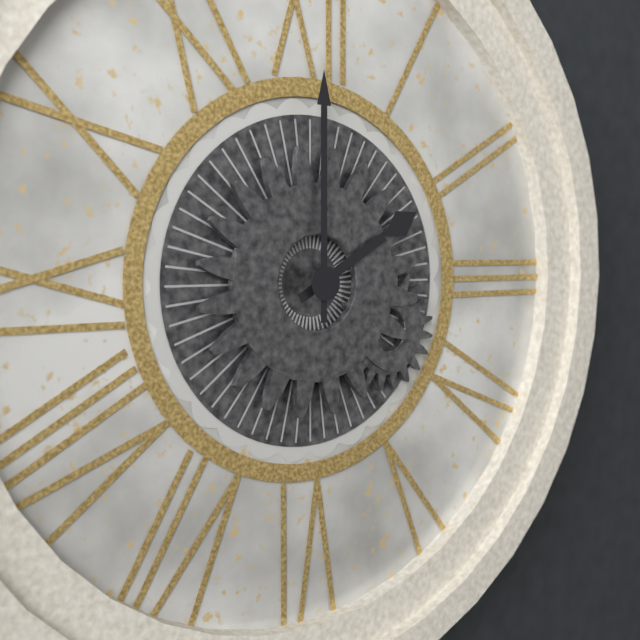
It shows 2:00
